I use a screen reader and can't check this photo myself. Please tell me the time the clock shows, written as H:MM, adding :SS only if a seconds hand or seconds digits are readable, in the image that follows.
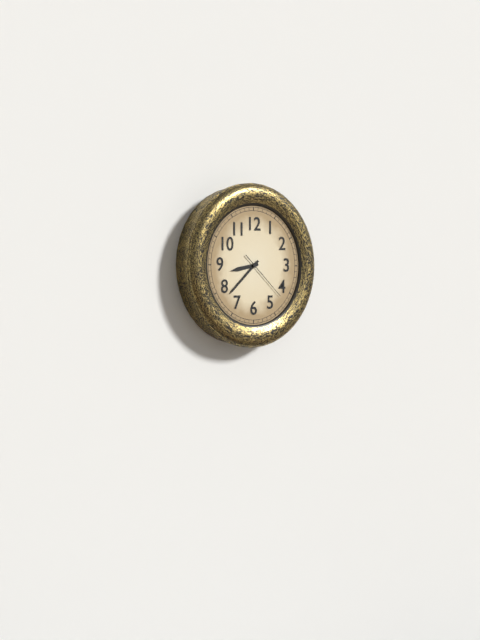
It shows 8:38:22
